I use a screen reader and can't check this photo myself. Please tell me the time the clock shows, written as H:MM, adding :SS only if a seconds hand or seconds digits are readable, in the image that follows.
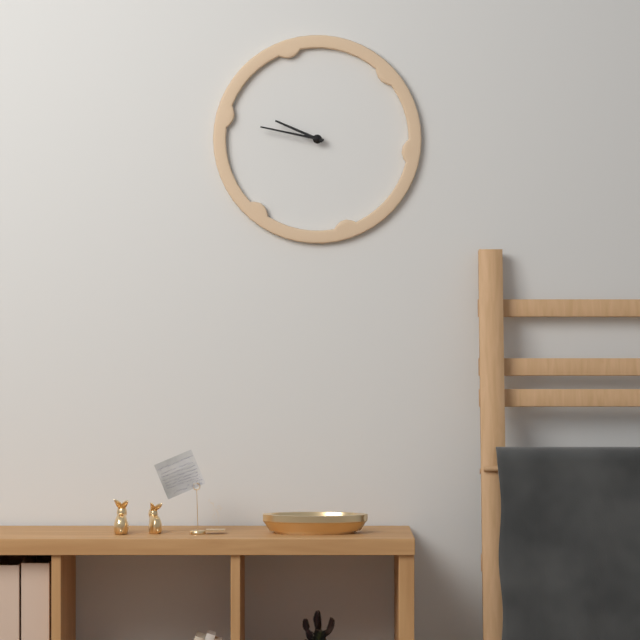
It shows 9:47
